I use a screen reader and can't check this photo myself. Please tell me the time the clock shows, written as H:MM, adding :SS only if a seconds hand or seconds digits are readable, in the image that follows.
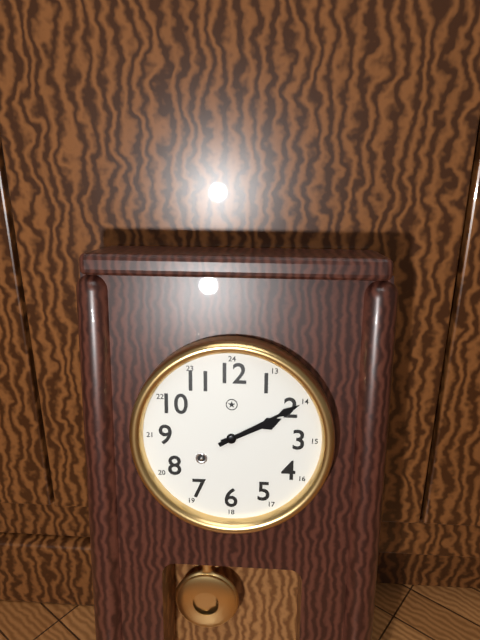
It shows 2:10
